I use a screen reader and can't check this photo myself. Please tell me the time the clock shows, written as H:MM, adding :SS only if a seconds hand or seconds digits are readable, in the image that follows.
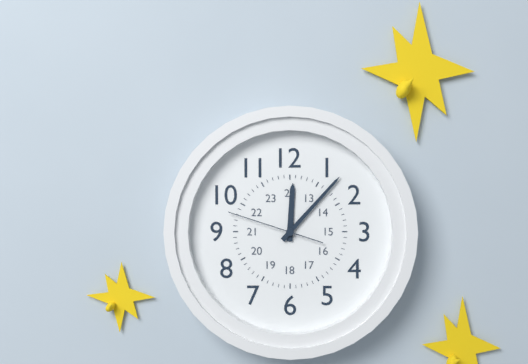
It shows 12:07:48
